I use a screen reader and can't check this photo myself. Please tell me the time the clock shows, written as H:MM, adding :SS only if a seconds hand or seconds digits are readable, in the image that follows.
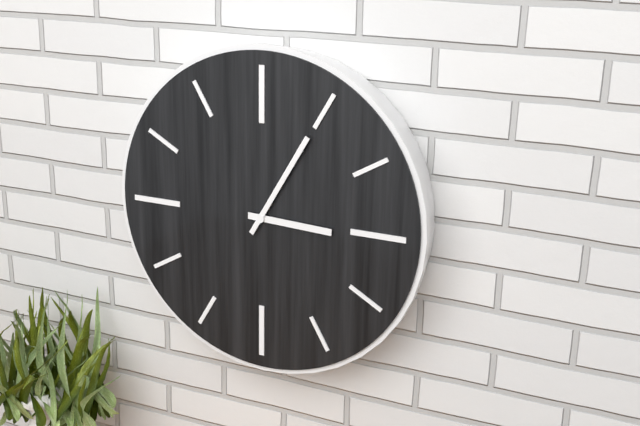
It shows 3:05
